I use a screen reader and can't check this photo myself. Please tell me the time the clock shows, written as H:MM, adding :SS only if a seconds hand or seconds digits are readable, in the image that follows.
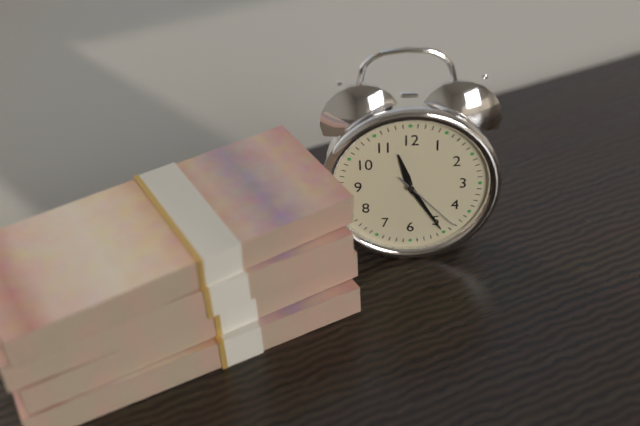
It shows 11:25:23
